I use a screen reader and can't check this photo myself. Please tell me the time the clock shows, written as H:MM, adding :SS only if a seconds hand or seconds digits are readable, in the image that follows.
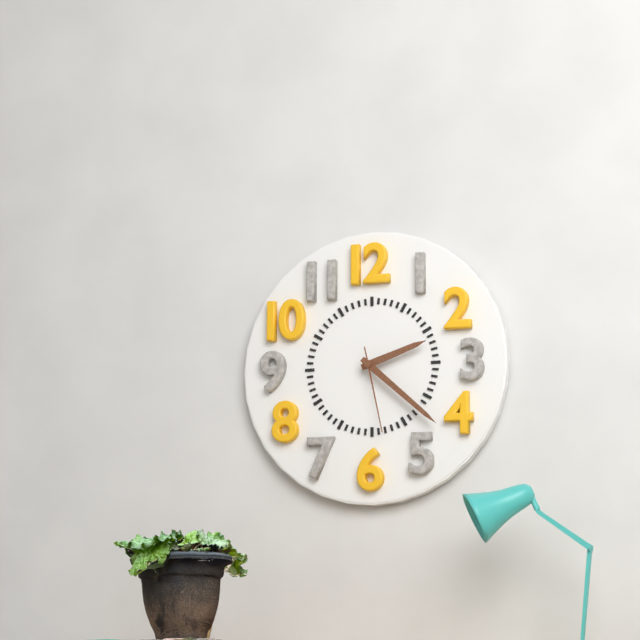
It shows 2:22:28
